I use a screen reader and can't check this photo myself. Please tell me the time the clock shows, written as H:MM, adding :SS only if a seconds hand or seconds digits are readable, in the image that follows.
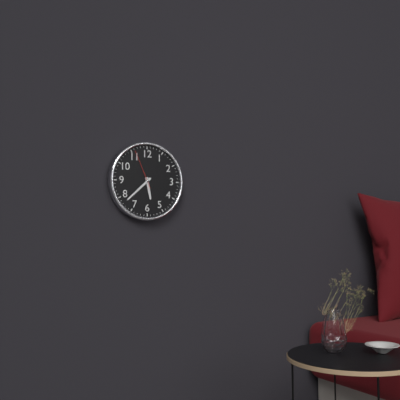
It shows 5:38
